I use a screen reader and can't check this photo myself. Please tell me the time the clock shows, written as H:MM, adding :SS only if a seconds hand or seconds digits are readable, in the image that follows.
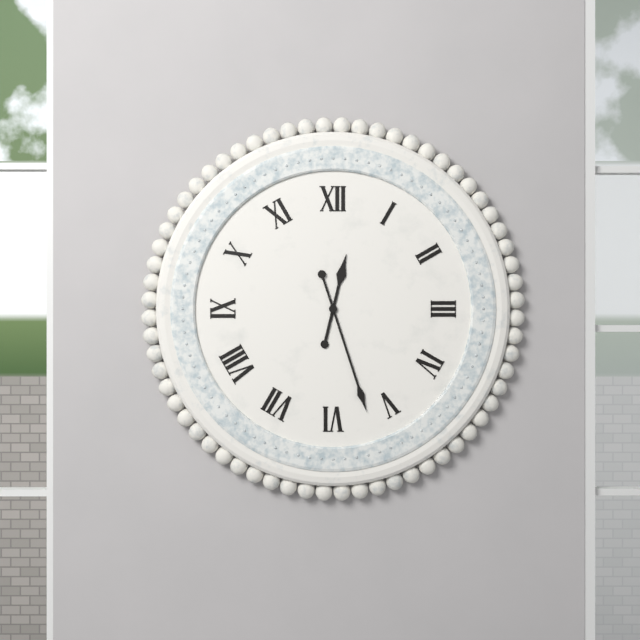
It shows 12:27
